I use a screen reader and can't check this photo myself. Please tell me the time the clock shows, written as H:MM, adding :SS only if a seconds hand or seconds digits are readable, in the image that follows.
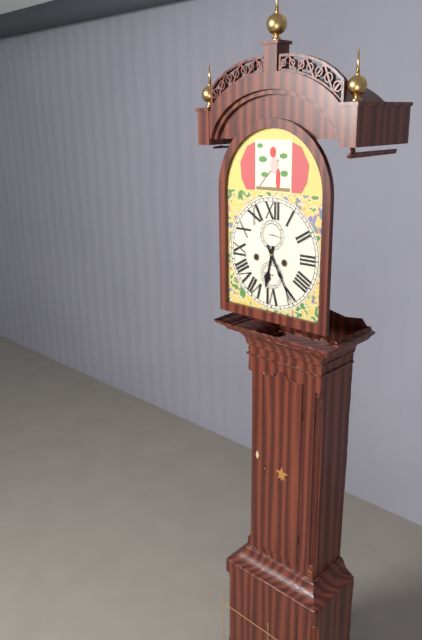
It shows 6:25
